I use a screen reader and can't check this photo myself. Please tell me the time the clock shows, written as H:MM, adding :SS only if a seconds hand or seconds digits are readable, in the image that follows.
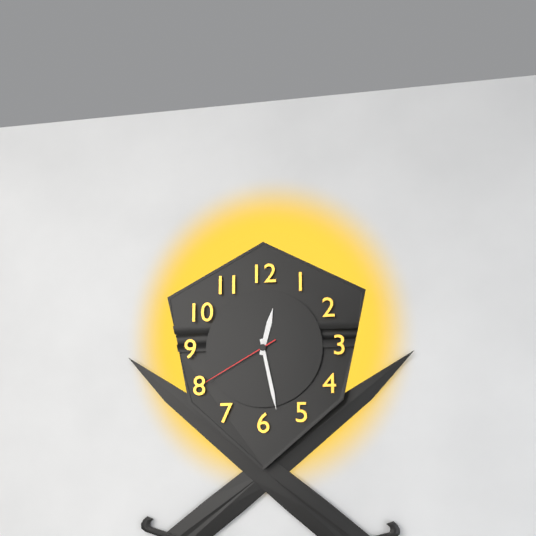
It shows 12:28:40
